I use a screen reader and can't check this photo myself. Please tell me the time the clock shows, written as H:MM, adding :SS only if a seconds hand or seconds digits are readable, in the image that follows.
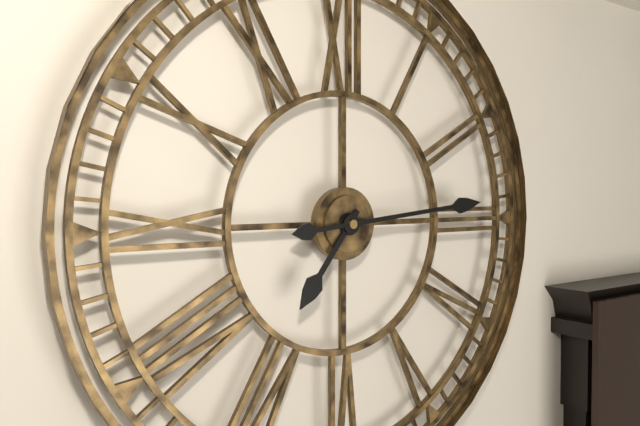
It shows 7:14
